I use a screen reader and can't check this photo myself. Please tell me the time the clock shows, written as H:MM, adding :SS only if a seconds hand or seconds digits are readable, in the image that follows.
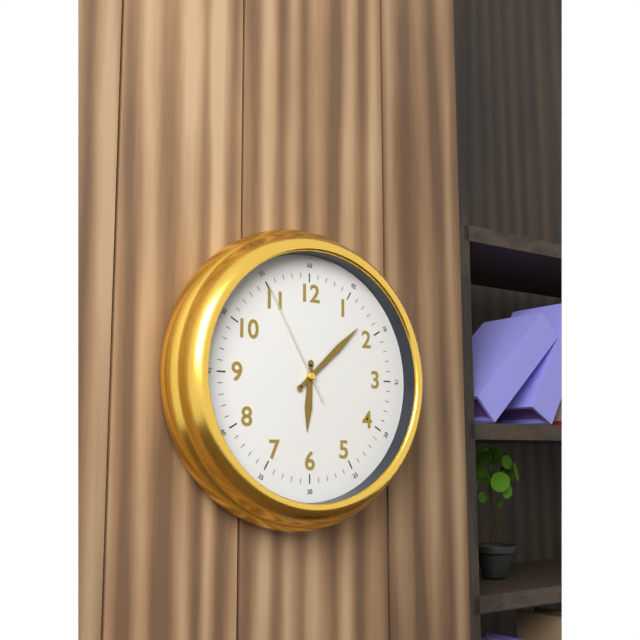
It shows 6:08:55
